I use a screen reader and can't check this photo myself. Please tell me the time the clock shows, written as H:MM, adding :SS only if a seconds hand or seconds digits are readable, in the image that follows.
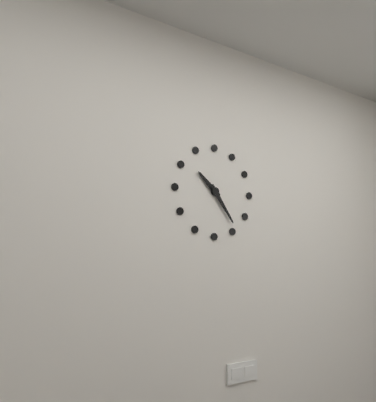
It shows 10:24
